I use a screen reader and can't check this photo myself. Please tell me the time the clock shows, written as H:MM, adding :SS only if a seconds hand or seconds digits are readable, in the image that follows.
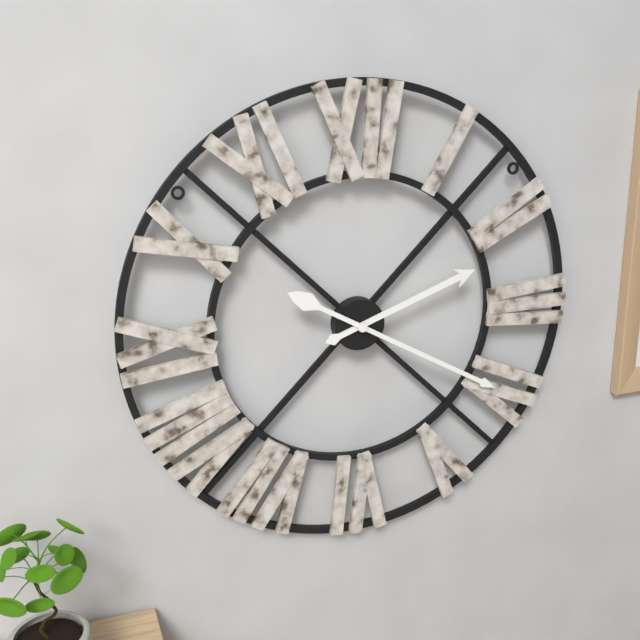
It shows 2:20
